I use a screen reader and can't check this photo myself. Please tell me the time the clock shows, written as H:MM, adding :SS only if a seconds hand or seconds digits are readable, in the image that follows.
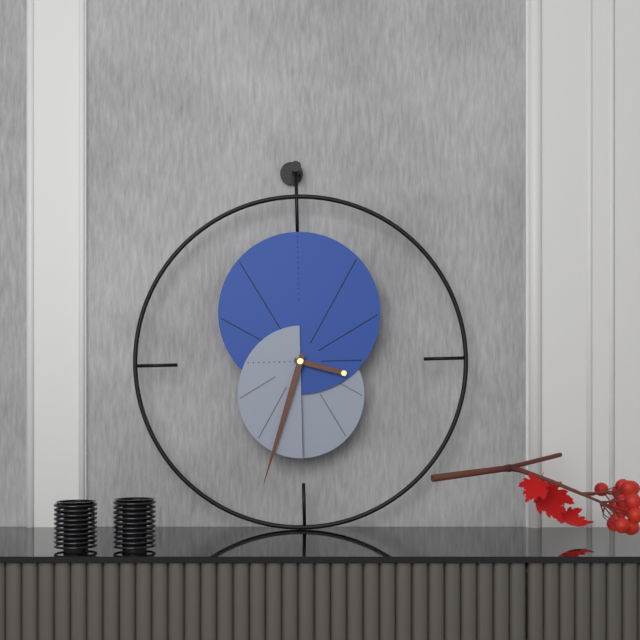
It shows 3:33
